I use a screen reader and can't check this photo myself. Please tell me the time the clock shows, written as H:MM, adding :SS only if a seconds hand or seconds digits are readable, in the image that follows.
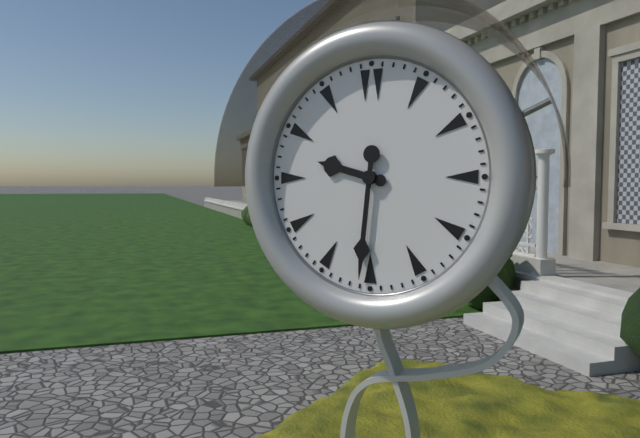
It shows 9:31
